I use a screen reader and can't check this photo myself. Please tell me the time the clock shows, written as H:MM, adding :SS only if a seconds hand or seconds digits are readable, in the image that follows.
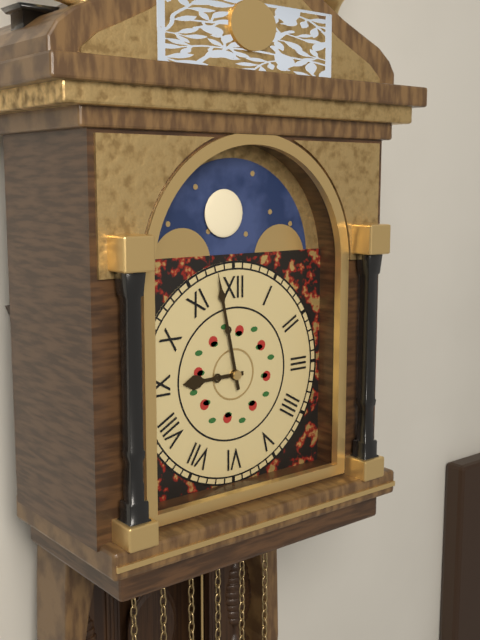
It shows 8:58
